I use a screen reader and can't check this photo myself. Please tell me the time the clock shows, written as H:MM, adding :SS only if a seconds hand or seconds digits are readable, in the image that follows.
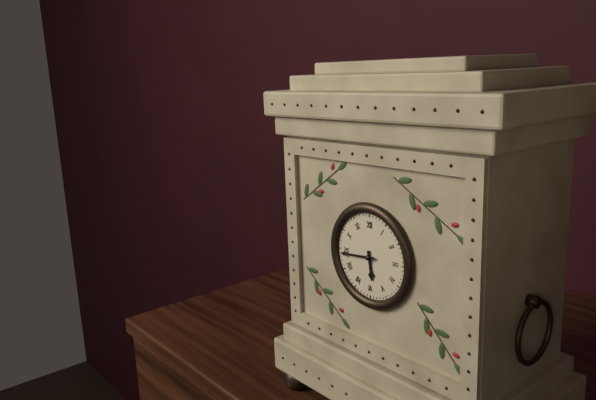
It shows 5:44
